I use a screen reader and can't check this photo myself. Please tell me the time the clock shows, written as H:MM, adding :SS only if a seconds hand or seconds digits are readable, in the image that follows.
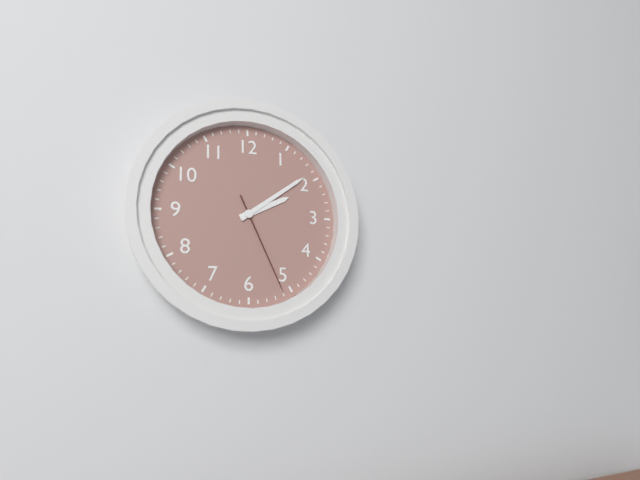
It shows 2:09:26
